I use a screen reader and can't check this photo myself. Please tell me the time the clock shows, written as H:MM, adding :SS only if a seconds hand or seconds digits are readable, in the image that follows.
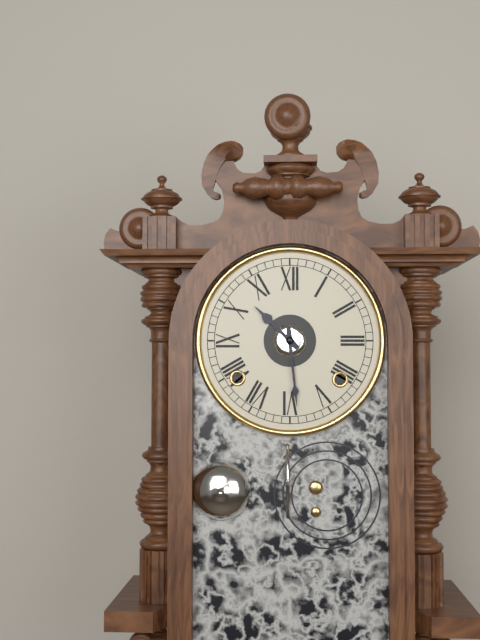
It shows 10:29
